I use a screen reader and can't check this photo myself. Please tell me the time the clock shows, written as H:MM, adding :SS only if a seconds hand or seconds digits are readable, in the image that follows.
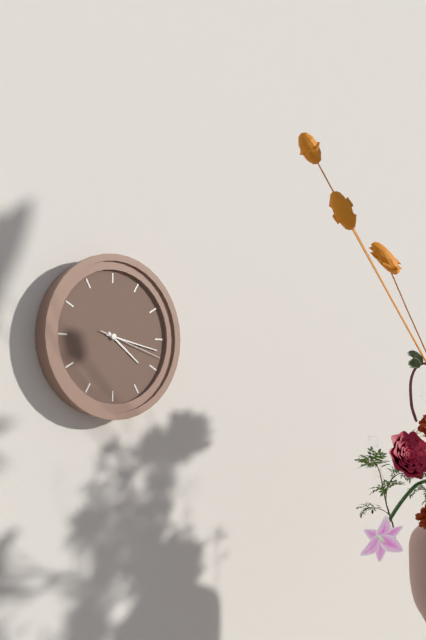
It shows 4:17:18
